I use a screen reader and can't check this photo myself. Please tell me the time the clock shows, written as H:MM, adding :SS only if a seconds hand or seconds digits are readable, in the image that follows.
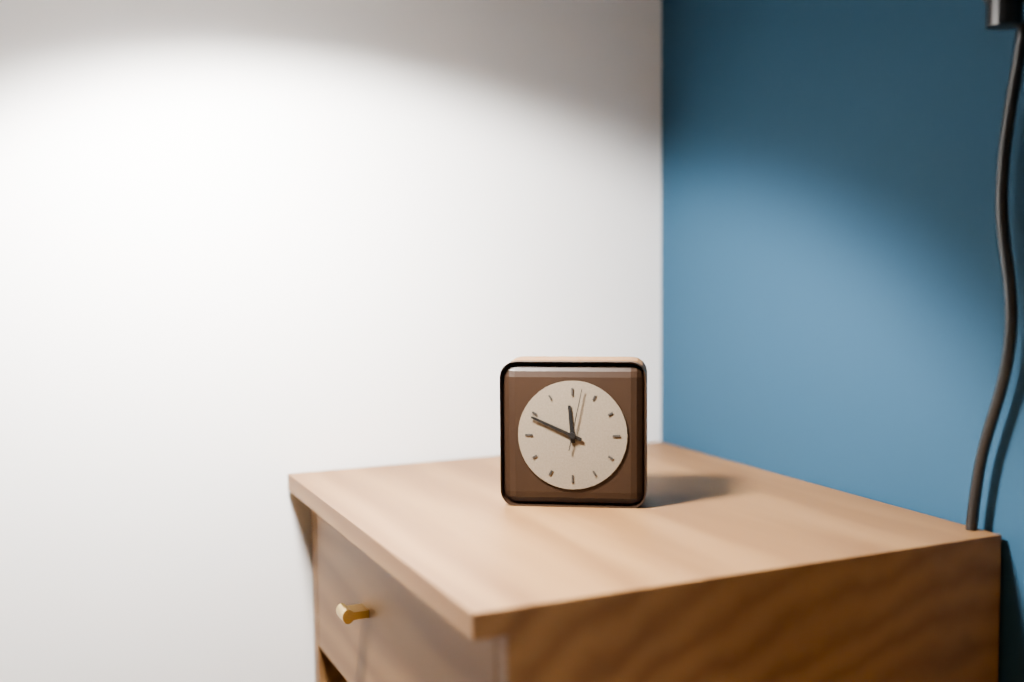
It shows 11:49:02
